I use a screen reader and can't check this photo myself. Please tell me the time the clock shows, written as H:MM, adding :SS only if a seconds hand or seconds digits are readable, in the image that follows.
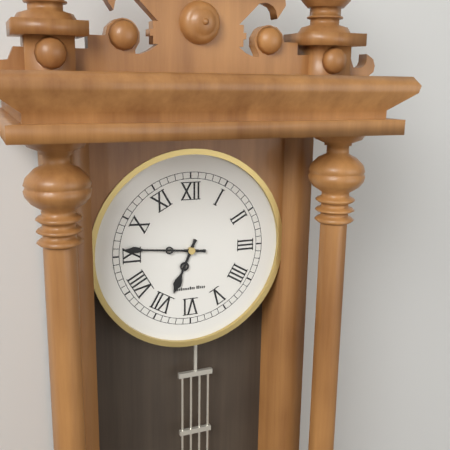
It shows 6:46
